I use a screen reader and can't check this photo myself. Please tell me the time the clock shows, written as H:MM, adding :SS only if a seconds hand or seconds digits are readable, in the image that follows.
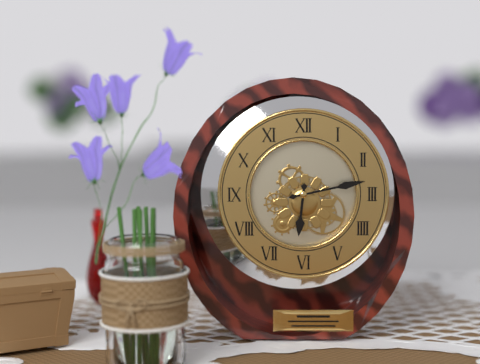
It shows 6:13
